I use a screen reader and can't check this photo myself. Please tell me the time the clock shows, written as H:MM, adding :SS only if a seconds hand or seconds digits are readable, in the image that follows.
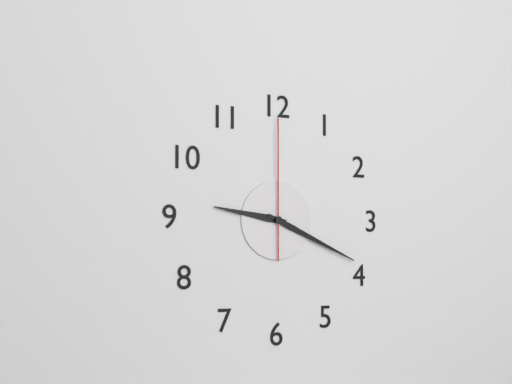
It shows 9:19:00
